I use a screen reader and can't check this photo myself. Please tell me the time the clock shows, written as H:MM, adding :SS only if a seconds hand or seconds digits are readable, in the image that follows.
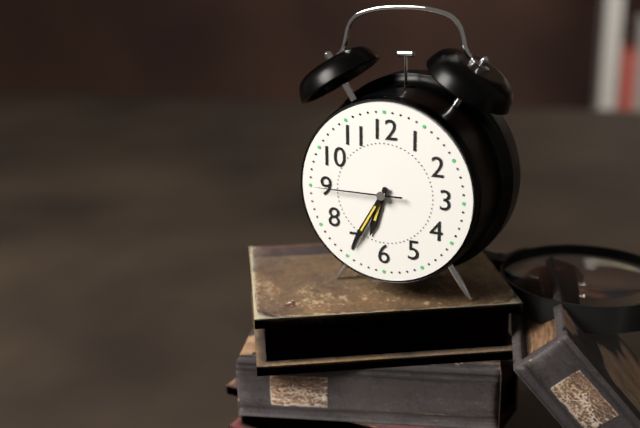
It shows 6:35:45
